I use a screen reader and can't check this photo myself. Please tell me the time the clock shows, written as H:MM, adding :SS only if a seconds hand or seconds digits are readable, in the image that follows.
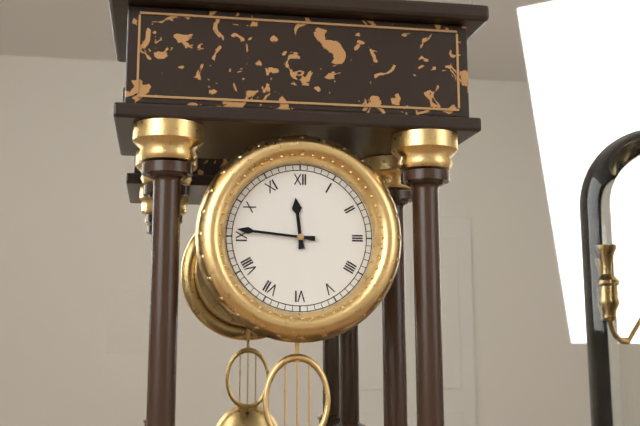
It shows 11:46
